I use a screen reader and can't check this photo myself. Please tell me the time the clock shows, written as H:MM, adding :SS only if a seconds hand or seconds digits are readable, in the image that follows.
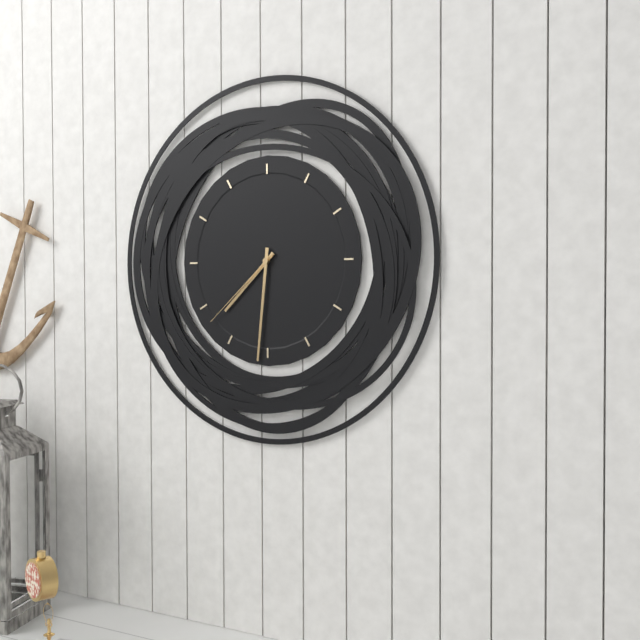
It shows 7:31:38
